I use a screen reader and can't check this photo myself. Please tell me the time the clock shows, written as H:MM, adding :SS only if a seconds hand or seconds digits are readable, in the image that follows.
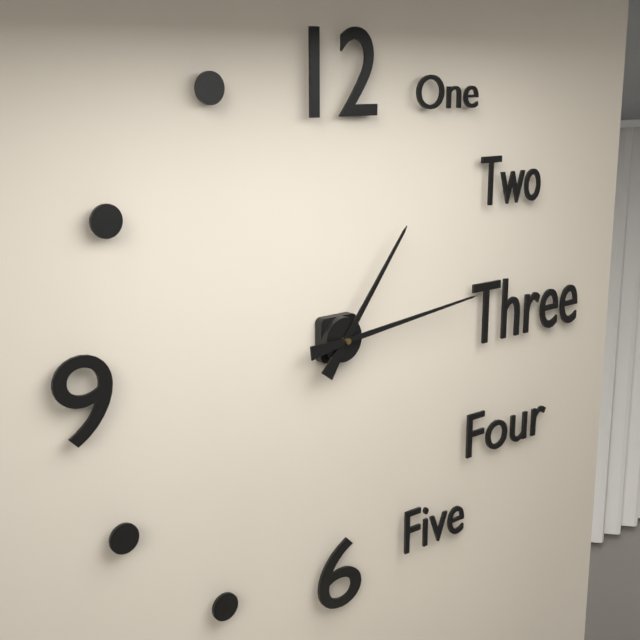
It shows 1:14
